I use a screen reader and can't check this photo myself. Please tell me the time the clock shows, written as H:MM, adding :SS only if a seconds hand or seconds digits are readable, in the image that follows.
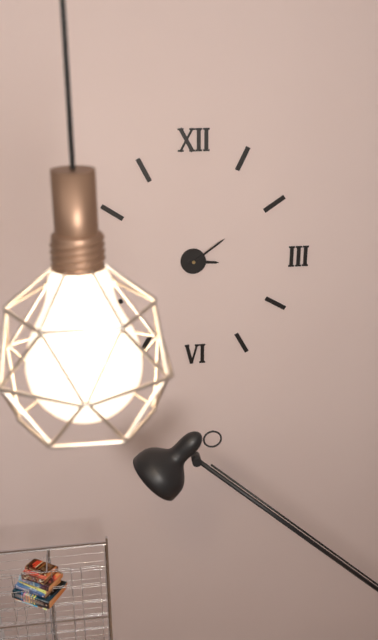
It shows 3:09
